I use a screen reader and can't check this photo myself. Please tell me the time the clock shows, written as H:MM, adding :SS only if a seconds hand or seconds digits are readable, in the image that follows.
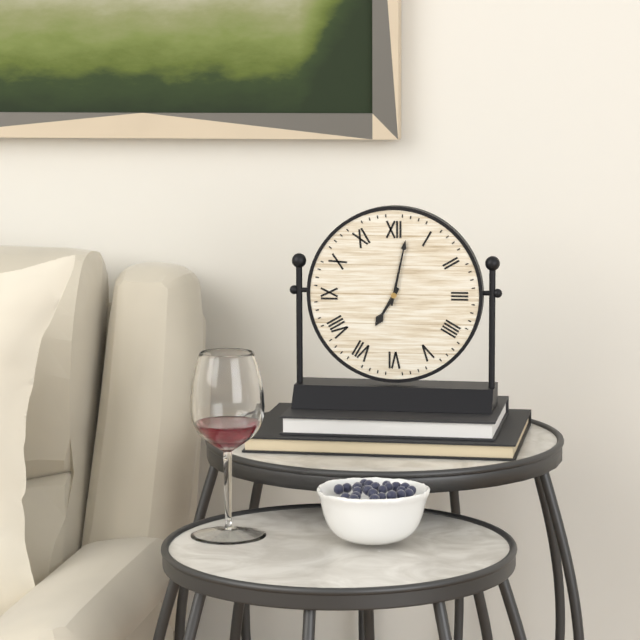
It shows 7:02
